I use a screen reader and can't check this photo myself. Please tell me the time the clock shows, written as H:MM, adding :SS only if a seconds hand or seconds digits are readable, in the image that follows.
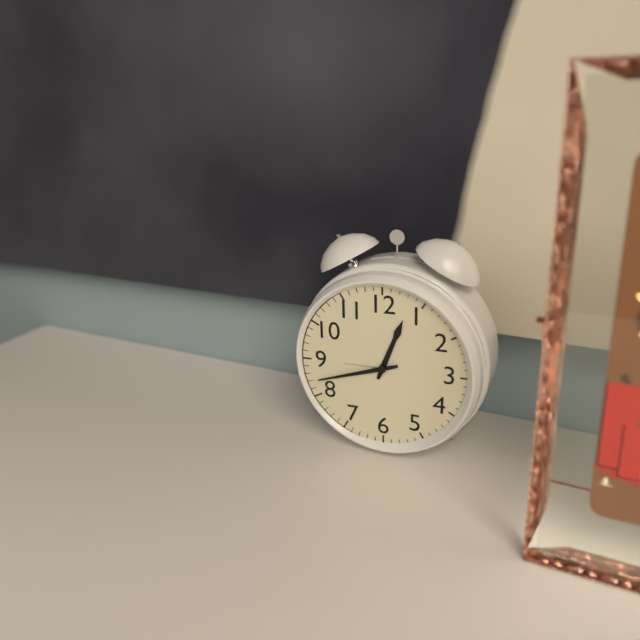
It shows 12:42
